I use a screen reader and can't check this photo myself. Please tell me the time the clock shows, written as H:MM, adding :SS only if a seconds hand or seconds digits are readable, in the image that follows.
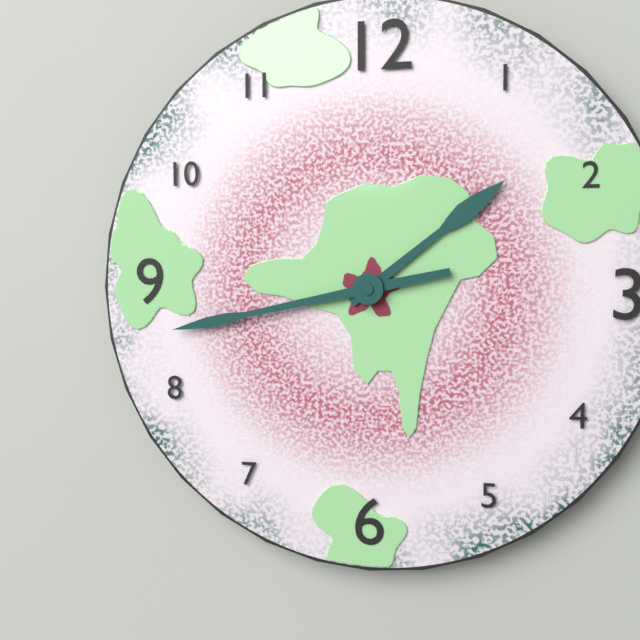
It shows 1:43
